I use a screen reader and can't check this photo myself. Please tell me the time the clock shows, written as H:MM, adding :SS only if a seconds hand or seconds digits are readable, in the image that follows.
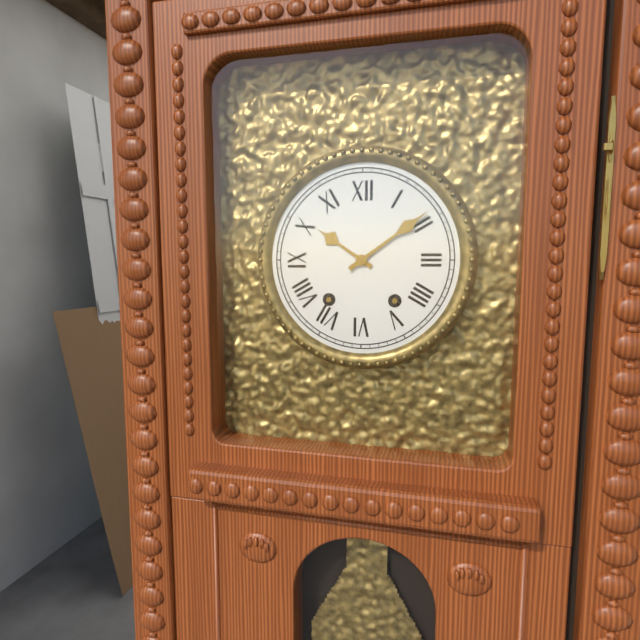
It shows 10:09
